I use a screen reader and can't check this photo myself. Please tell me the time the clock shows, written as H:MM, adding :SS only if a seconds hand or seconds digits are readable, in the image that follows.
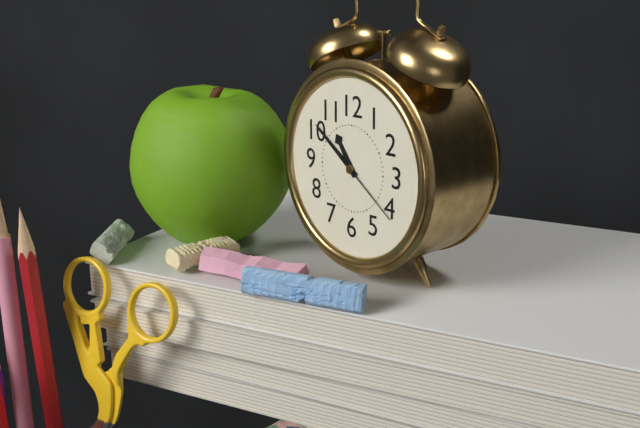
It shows 10:51:21
